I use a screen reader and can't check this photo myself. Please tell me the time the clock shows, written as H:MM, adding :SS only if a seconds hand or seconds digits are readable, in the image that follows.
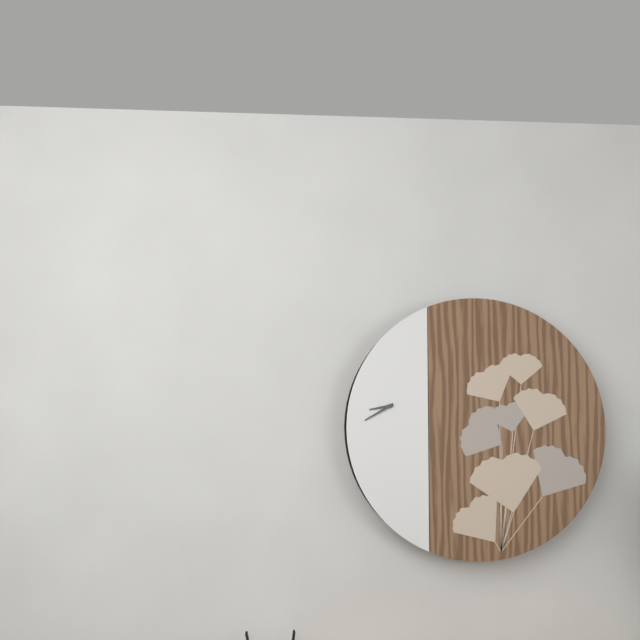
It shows 8:40
